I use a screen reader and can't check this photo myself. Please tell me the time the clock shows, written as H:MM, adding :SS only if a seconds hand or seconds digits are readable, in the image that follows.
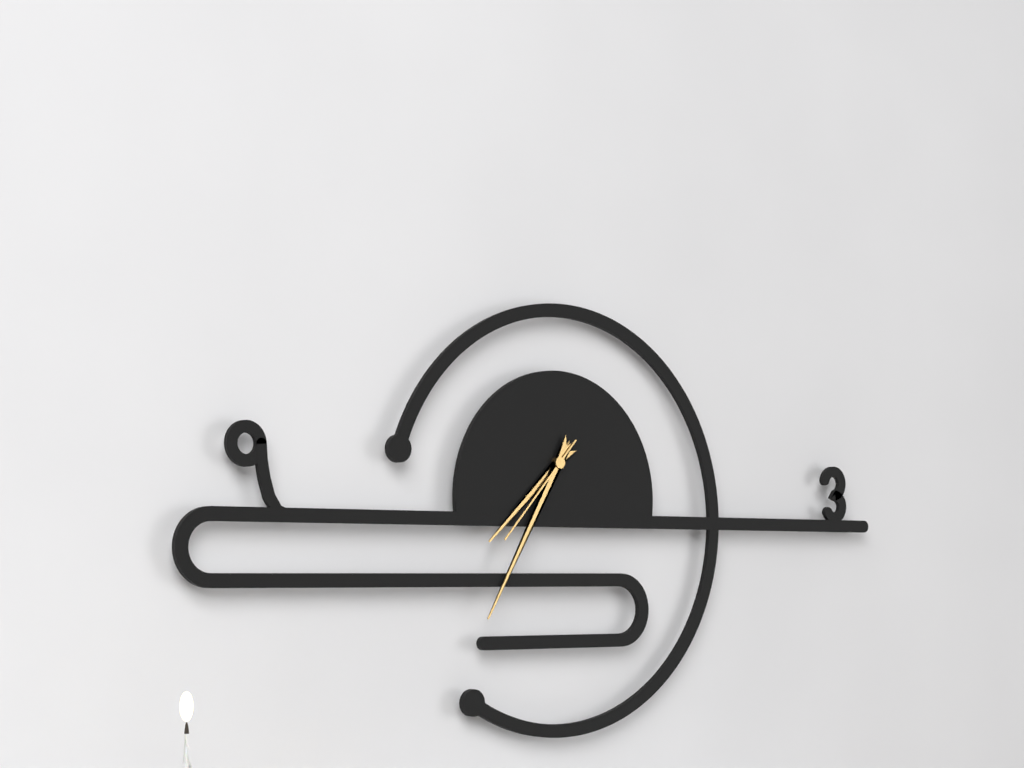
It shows 7:35:37
